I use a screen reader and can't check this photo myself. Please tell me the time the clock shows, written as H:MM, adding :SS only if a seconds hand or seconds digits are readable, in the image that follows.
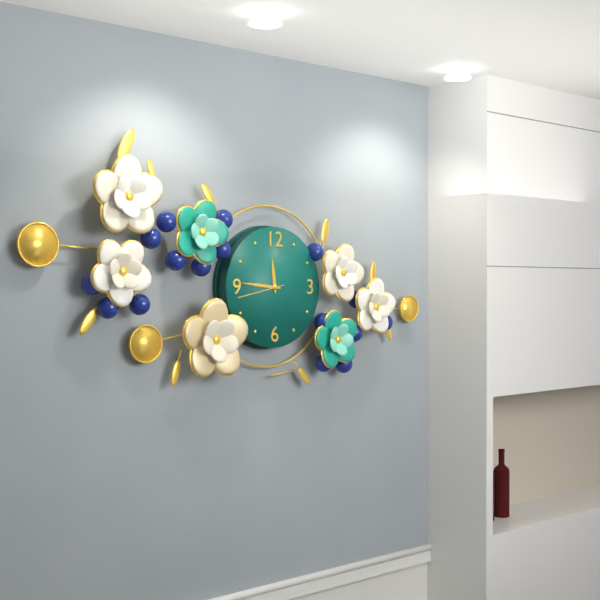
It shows 11:46:43
